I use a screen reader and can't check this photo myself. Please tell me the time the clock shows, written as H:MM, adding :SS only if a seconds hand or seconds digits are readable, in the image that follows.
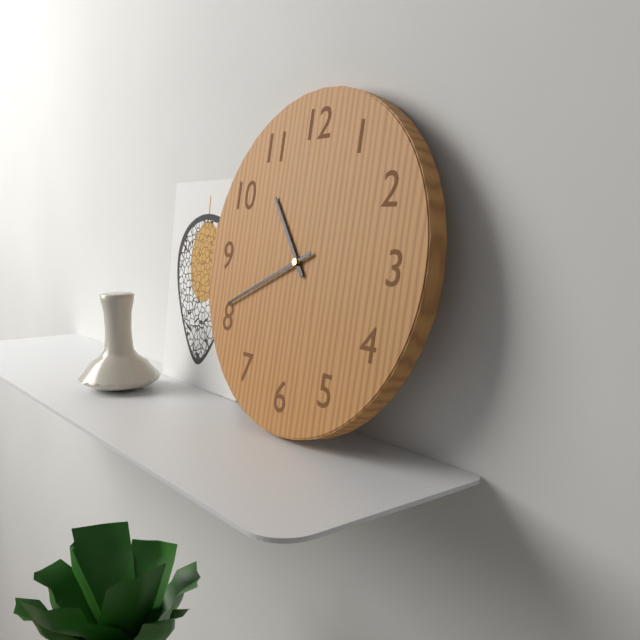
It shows 10:41
